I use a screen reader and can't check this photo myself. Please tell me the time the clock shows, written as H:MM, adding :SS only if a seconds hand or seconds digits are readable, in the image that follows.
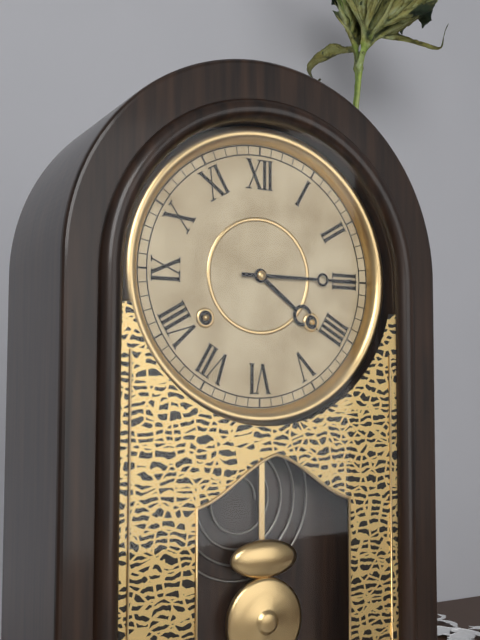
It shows 4:15
